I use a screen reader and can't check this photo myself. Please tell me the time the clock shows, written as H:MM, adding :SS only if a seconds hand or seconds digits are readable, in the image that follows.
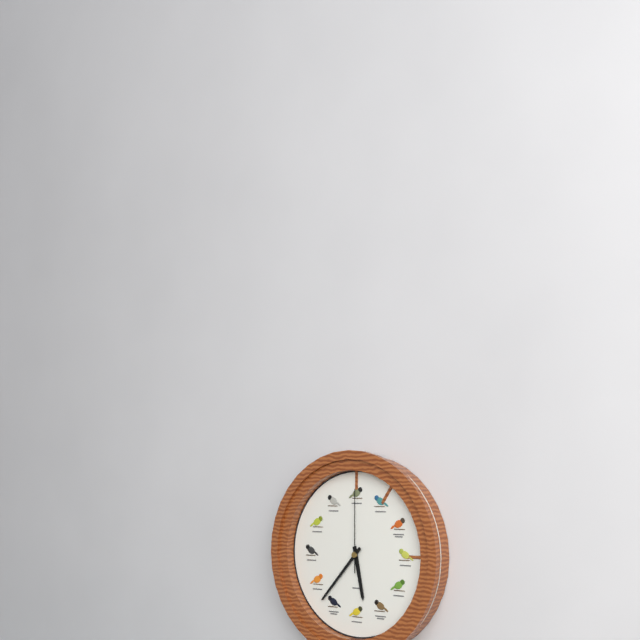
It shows 5:37:00
